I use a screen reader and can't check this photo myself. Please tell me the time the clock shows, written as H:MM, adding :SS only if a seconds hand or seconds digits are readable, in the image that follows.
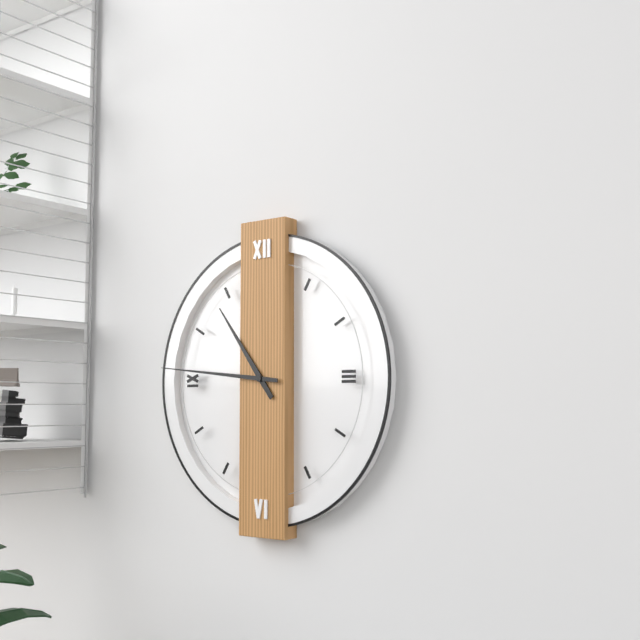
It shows 10:46
